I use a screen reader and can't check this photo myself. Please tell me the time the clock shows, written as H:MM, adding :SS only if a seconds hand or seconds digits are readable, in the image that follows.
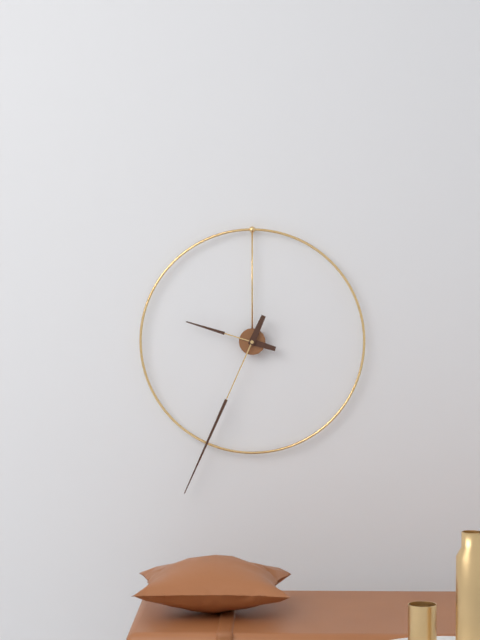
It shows 9:34
